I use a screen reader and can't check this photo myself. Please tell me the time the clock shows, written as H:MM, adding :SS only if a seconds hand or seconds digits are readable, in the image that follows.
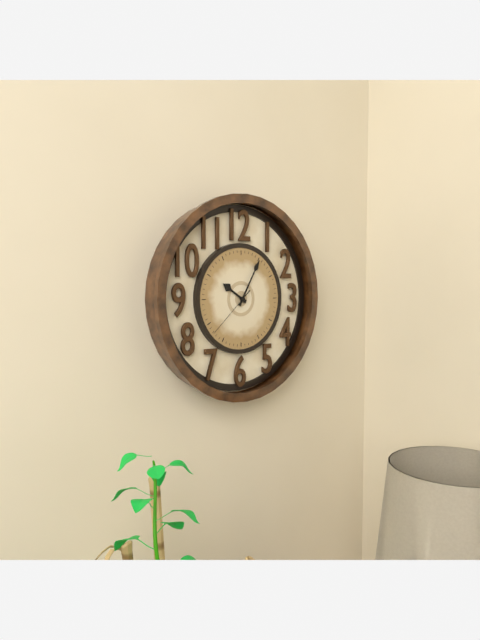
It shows 10:05:38
